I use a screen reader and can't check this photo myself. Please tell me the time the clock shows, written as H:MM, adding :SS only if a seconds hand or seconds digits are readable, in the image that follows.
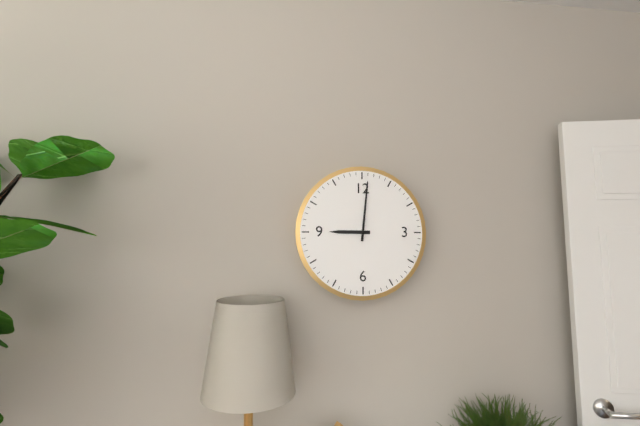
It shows 9:01
